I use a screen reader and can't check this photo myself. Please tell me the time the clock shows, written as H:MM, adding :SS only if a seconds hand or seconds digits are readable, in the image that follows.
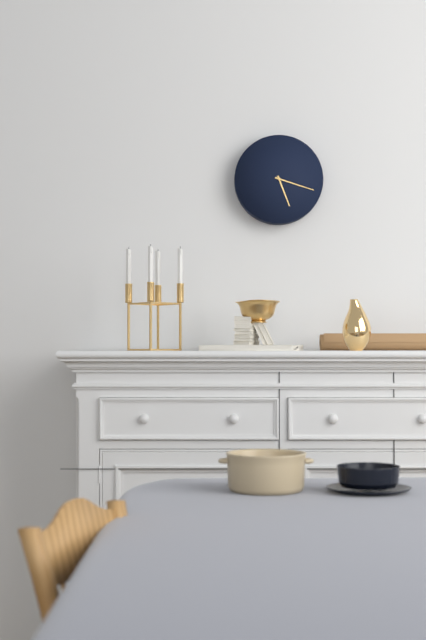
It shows 5:18
